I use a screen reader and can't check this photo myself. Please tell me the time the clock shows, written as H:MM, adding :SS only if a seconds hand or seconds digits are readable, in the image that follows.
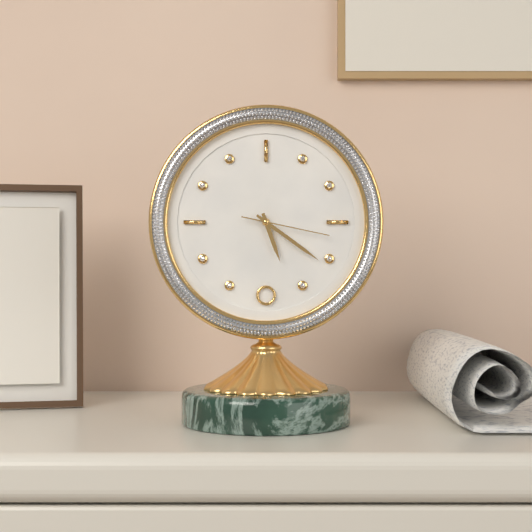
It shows 5:21:17
